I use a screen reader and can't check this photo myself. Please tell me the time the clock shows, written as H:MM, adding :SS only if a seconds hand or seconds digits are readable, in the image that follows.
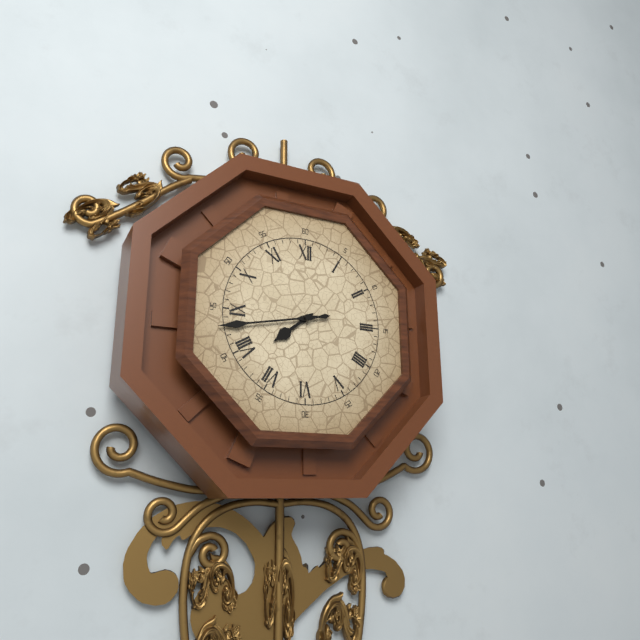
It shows 7:43
